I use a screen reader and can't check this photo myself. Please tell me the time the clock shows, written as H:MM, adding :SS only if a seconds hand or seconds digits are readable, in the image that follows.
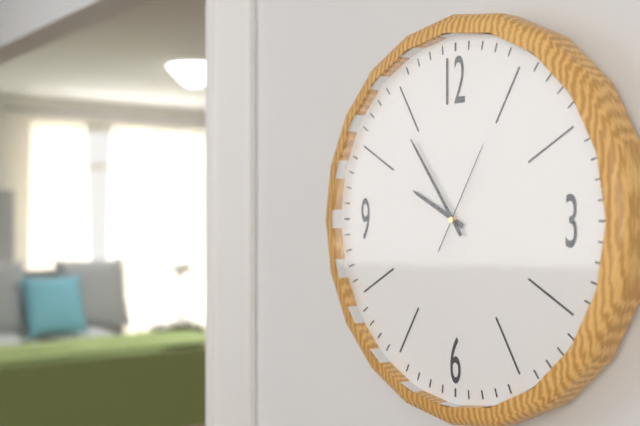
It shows 9:54:05
